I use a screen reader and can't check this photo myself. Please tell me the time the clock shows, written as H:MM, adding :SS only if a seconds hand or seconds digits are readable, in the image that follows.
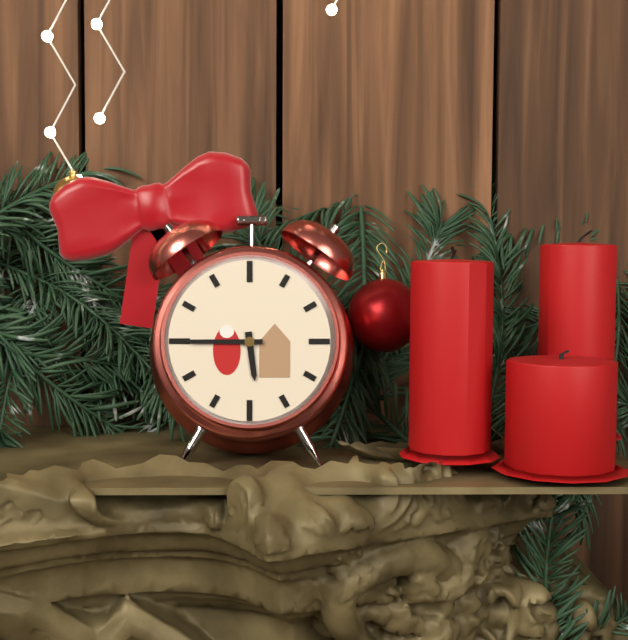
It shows 5:45
